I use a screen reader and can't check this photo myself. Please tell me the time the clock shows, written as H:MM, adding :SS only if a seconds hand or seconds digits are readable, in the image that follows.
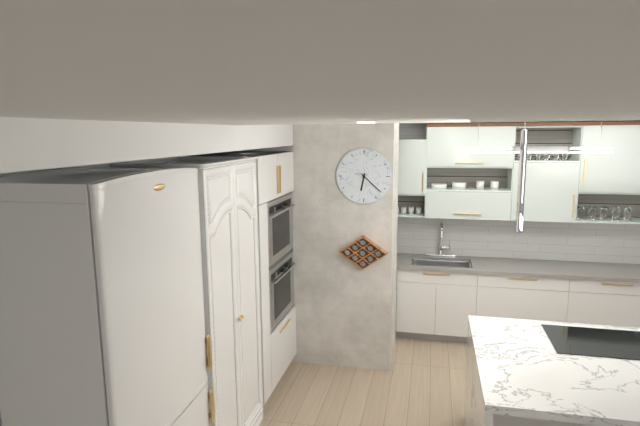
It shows 6:22
